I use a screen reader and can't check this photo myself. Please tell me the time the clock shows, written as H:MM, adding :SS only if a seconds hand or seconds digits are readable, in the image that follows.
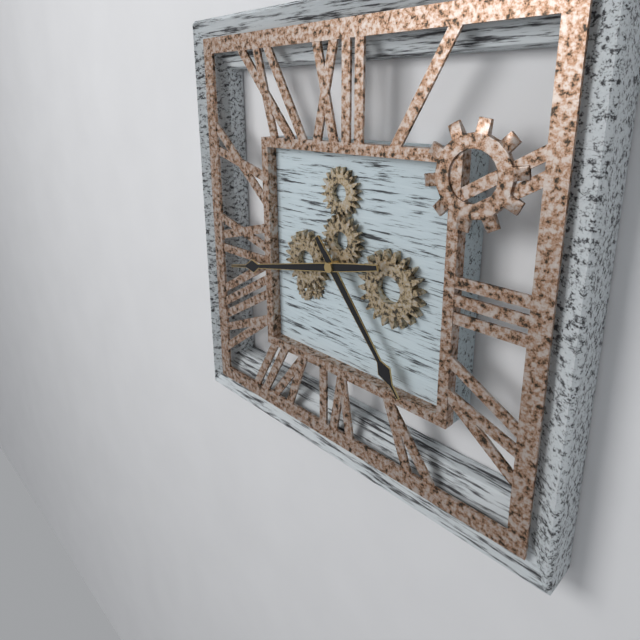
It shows 4:43
